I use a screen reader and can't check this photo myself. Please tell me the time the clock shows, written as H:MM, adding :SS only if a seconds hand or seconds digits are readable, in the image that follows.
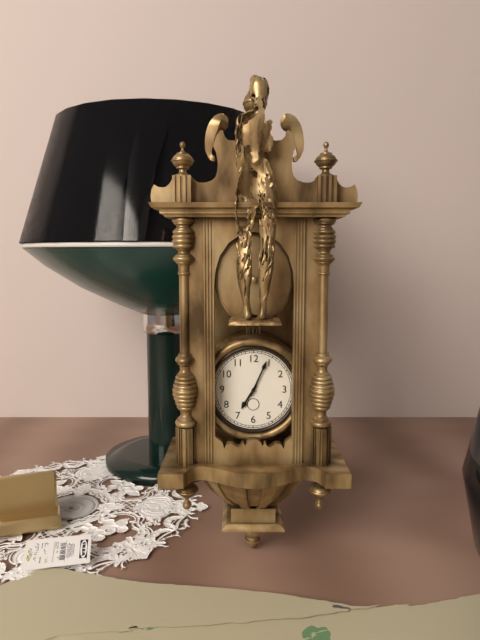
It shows 7:04
